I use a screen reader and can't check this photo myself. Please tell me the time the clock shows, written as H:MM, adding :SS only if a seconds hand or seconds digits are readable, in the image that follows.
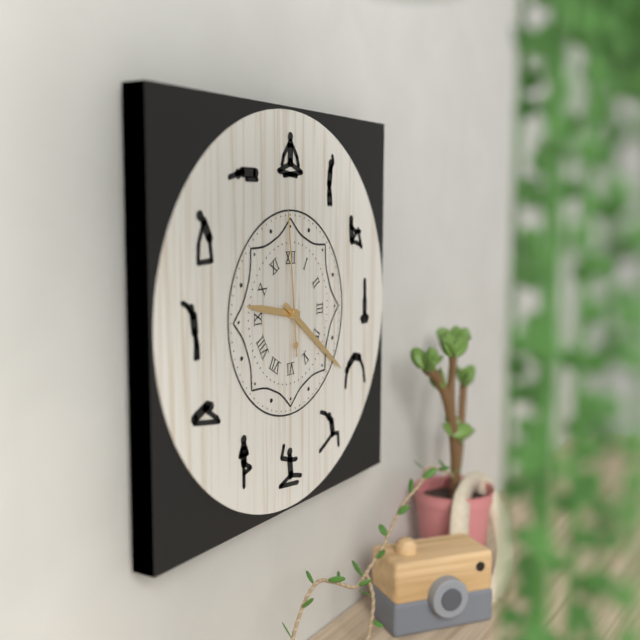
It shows 9:21:59
